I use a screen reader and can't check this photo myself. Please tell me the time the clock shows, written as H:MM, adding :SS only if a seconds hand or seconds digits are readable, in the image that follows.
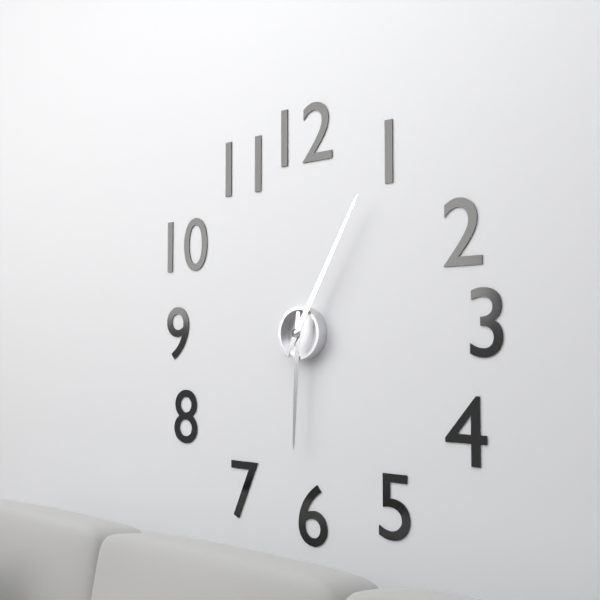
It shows 6:05
